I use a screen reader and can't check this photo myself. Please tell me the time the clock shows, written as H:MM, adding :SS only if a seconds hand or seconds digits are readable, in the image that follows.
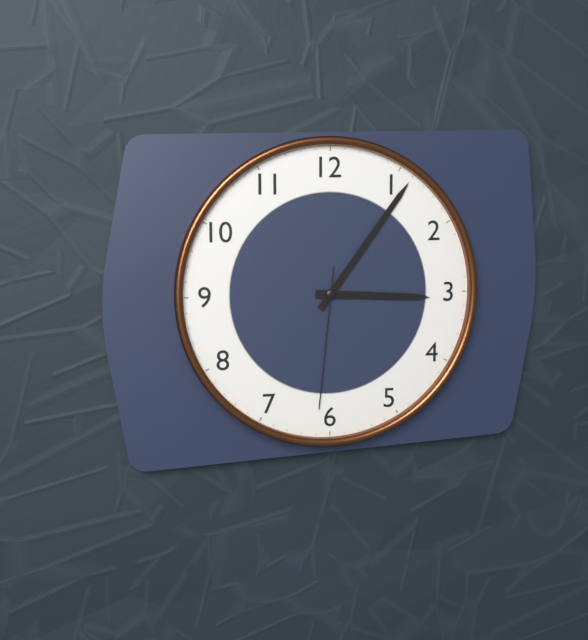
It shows 3:06:31
